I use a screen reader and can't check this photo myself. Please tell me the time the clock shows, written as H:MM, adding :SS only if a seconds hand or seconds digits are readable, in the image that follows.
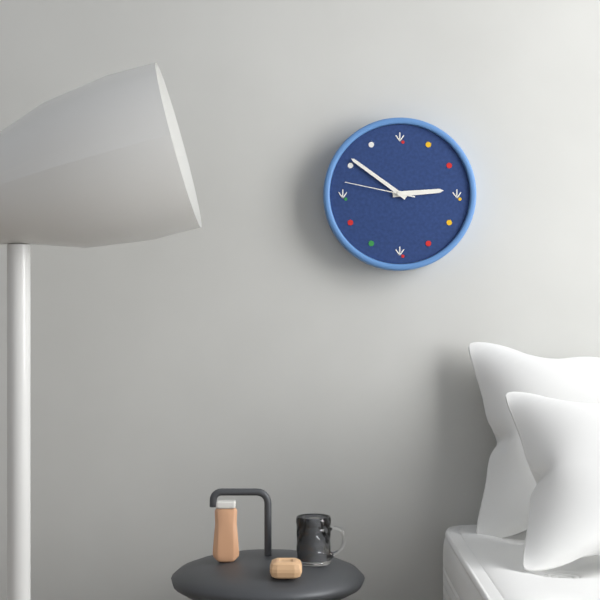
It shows 2:51:47
